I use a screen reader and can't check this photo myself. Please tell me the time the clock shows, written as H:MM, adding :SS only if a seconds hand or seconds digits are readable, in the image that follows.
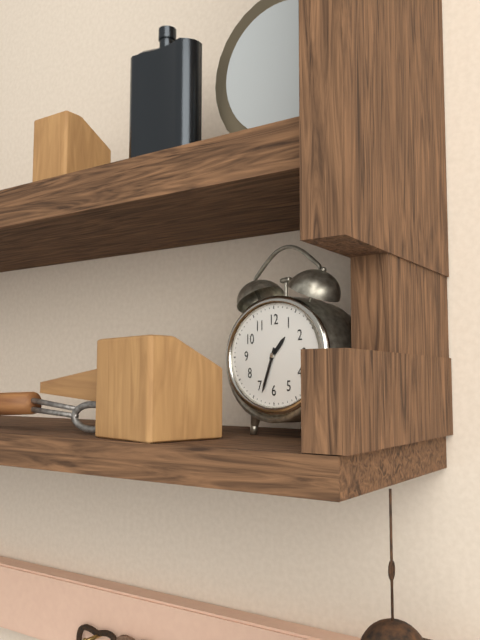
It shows 1:34
